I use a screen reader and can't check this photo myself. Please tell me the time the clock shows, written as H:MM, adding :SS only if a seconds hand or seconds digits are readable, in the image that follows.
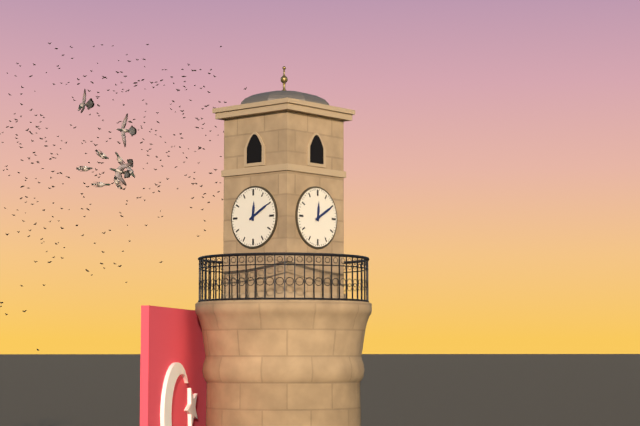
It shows 12:10
